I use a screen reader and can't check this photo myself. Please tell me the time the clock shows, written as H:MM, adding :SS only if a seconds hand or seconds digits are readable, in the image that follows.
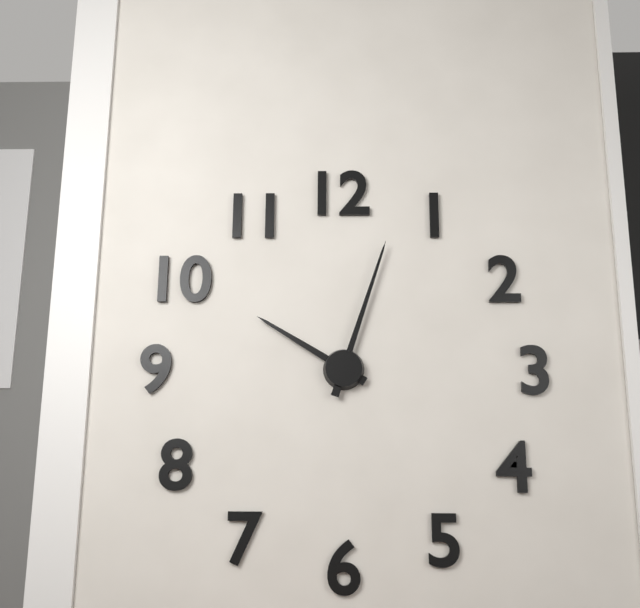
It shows 10:03
